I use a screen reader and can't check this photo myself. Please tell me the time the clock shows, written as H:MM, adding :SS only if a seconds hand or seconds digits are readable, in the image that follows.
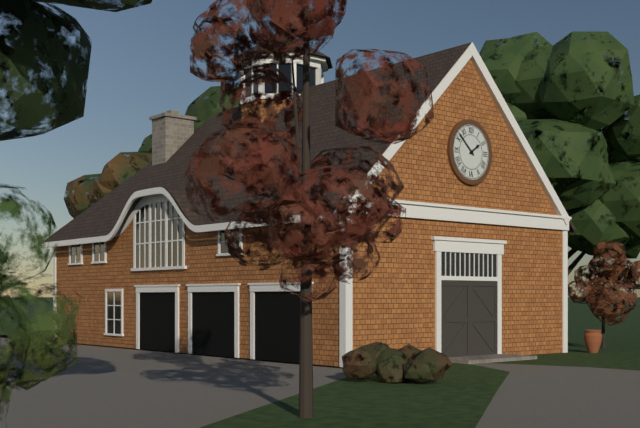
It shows 1:52
